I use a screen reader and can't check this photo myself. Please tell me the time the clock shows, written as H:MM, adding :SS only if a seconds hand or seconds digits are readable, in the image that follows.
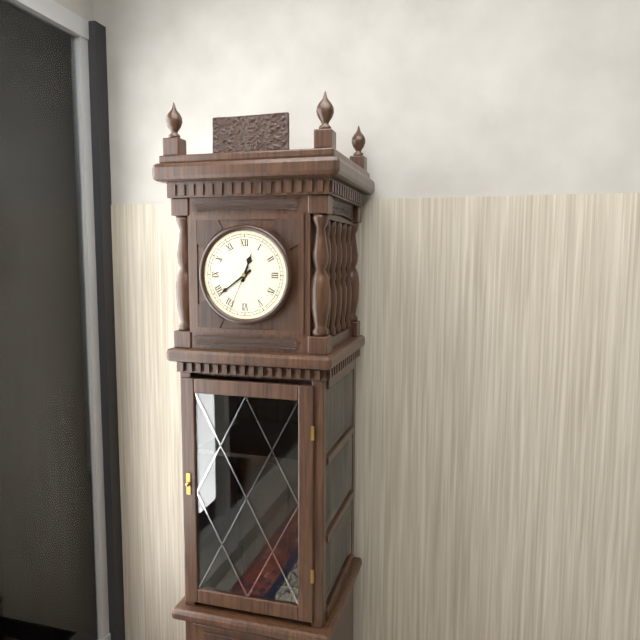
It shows 12:39
